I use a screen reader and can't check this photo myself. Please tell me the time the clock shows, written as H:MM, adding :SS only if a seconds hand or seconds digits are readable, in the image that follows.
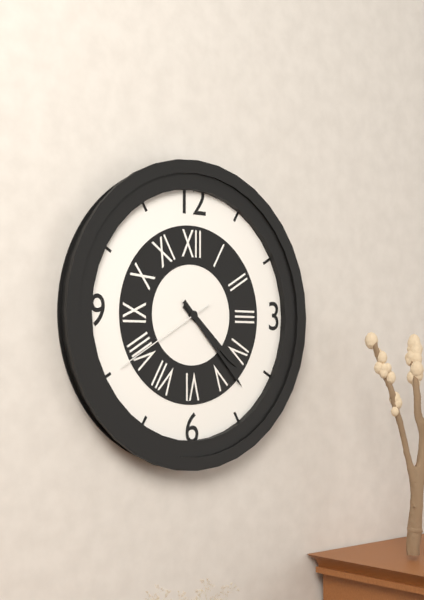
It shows 4:23:40
